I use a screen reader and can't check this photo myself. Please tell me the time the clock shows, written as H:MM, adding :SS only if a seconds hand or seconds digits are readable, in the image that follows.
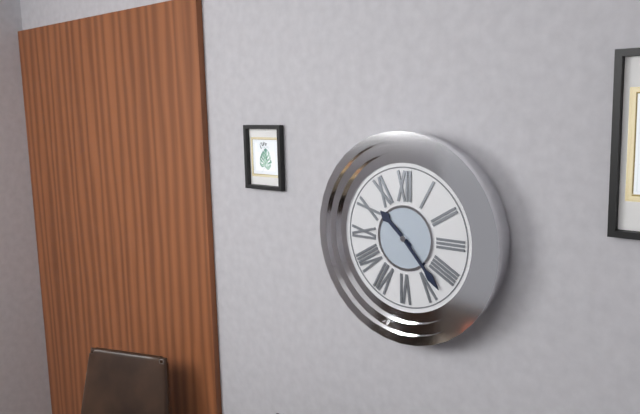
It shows 10:23
